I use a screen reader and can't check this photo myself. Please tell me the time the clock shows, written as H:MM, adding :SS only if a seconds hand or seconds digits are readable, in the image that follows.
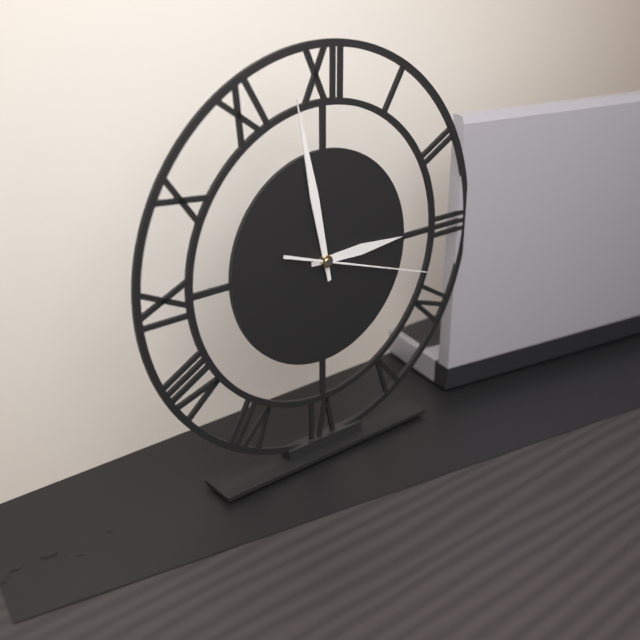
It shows 2:58:18
